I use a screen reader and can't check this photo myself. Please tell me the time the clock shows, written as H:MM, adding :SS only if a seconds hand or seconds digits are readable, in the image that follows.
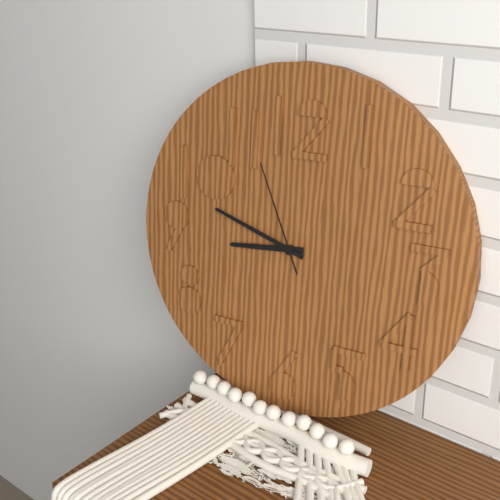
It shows 8:48:56
